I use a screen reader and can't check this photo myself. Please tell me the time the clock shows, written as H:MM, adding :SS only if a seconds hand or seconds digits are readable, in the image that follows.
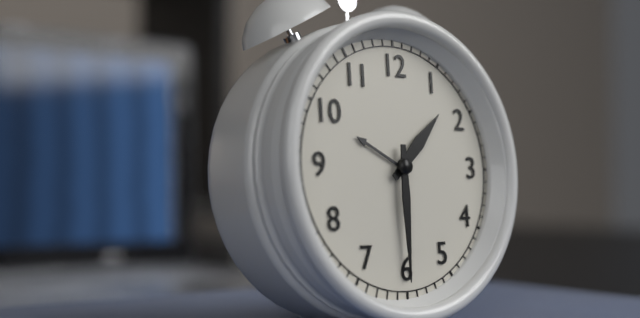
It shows 1:30
